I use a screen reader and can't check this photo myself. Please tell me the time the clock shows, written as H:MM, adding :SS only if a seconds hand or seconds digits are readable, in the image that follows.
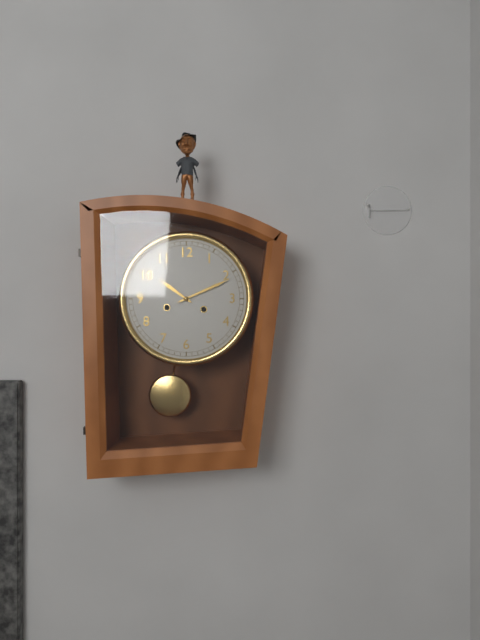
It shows 10:11
